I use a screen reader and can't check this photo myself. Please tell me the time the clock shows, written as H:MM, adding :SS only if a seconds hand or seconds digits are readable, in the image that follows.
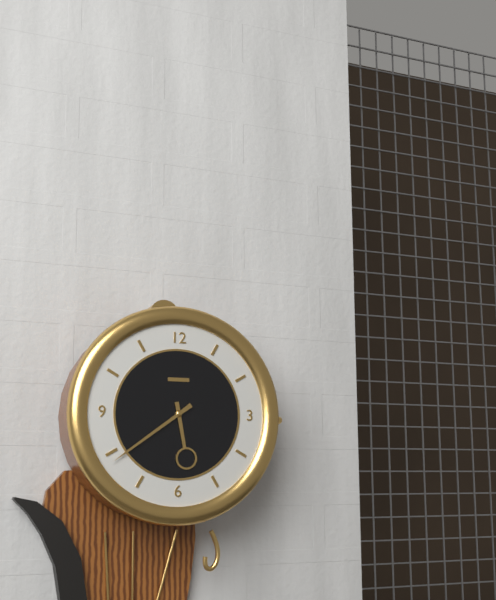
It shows 5:39
